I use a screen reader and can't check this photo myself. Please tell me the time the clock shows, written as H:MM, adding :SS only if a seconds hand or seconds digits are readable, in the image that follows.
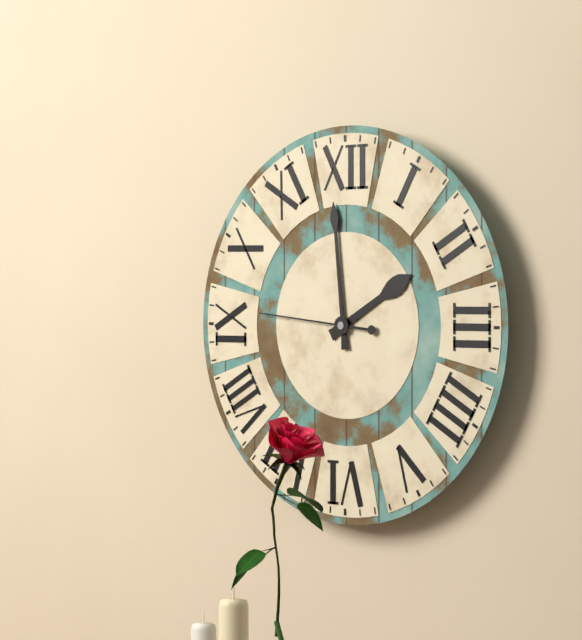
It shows 1:59:46
